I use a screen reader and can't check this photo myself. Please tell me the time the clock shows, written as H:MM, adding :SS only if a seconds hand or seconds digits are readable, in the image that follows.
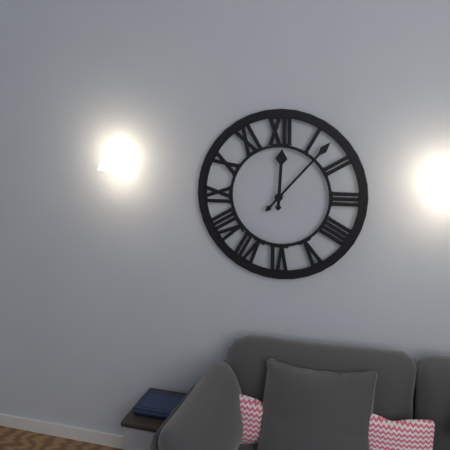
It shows 12:07
